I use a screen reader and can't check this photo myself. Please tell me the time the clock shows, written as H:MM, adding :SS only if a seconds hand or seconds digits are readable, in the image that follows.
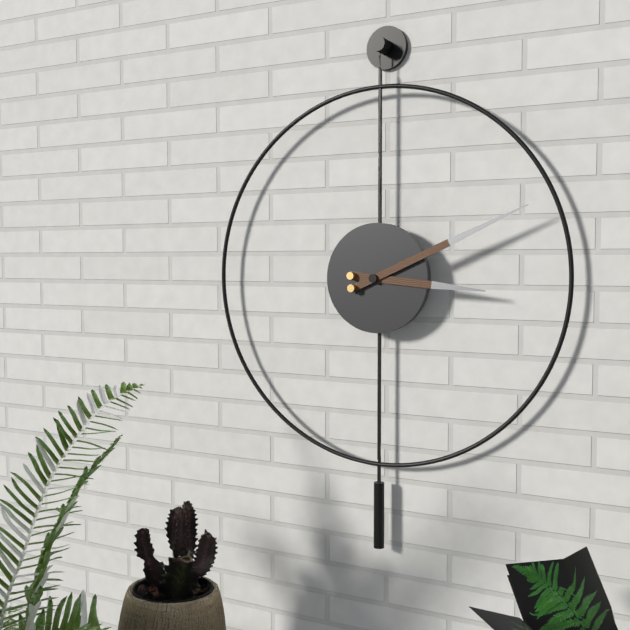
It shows 3:11
